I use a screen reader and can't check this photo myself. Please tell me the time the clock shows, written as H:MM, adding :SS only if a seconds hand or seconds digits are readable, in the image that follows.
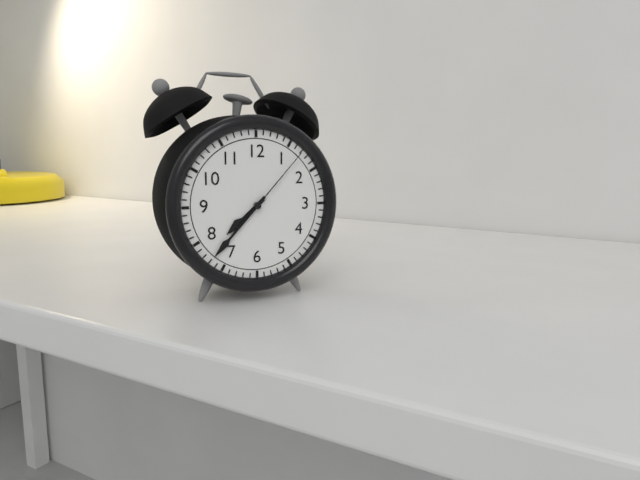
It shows 7:37:07
